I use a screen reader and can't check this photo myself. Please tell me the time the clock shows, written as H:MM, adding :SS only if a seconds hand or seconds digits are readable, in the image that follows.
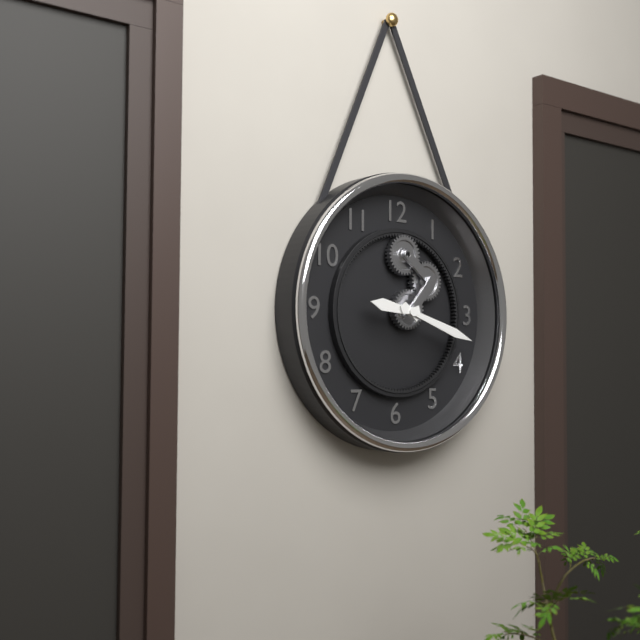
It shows 9:18
